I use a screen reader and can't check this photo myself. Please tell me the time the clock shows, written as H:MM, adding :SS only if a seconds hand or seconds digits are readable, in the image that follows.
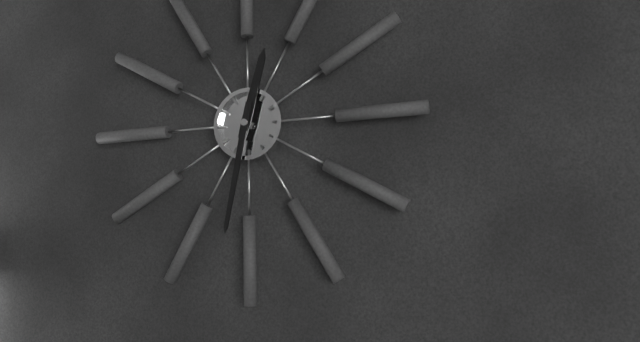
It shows 12:32
